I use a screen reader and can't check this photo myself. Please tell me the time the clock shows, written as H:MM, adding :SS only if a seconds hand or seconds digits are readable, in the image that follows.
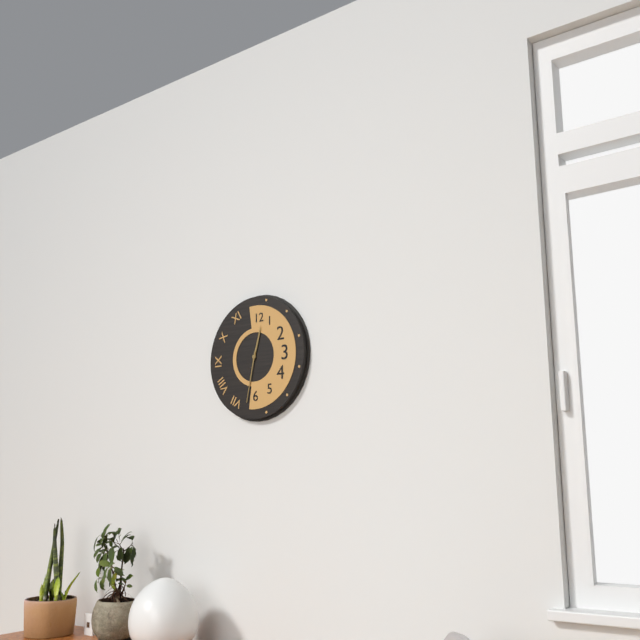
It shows 12:32
